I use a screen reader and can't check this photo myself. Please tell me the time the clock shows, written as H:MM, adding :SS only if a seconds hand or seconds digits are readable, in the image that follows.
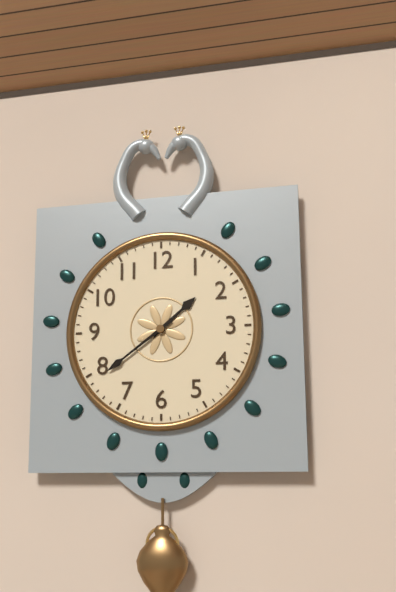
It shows 1:39
